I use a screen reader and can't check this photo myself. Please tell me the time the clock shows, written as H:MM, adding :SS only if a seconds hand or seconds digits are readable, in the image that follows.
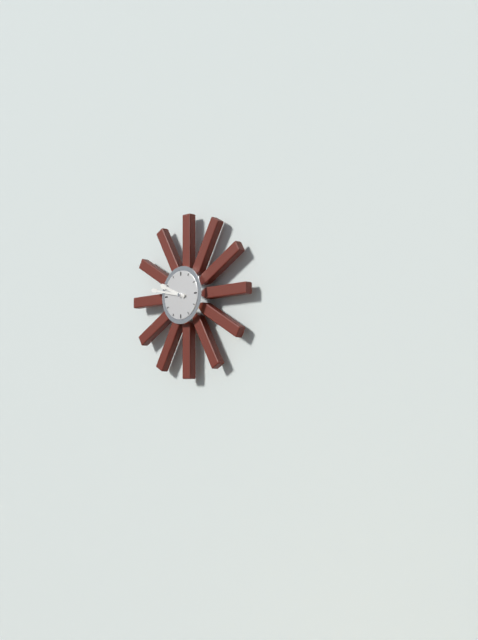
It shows 9:47
